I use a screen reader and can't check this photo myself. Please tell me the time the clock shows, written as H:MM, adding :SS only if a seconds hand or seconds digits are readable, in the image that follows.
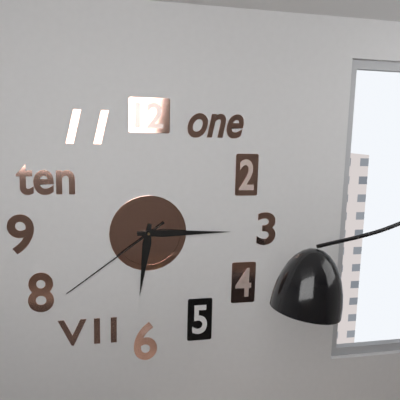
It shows 6:15:39
